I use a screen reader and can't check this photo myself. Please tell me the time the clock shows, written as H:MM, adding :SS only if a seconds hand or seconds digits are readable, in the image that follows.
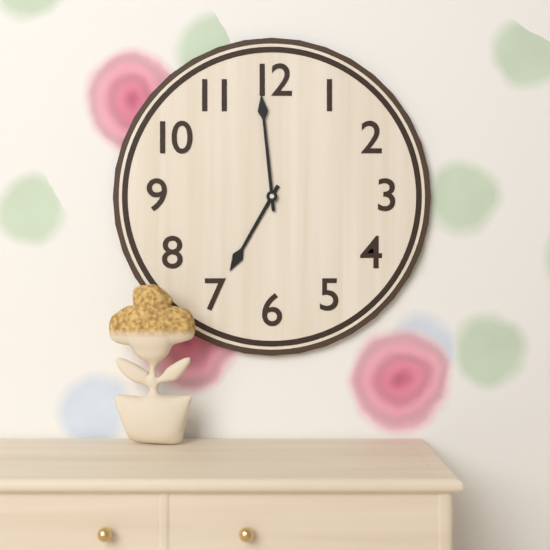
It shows 6:59
